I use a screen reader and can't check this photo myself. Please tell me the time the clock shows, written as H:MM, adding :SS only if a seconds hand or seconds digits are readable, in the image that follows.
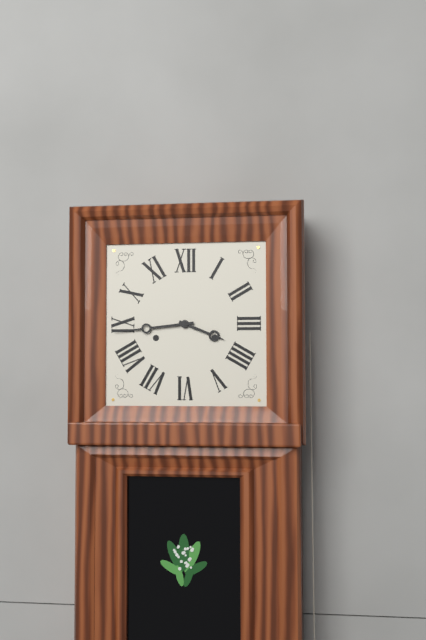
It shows 3:44
